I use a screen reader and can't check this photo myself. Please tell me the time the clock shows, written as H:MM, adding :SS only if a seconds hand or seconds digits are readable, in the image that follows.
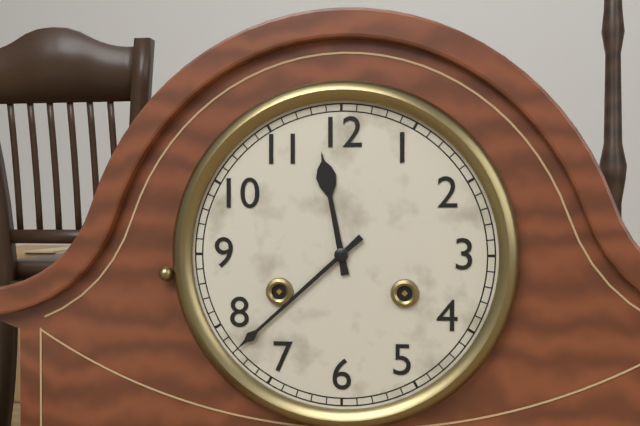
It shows 11:38
